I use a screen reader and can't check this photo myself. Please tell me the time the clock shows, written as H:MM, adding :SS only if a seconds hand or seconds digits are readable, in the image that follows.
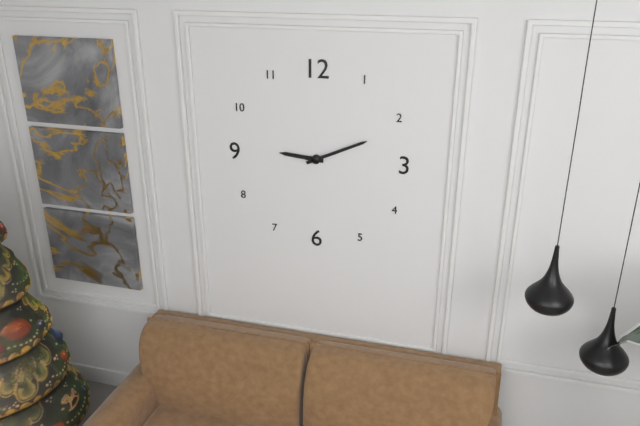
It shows 9:11
